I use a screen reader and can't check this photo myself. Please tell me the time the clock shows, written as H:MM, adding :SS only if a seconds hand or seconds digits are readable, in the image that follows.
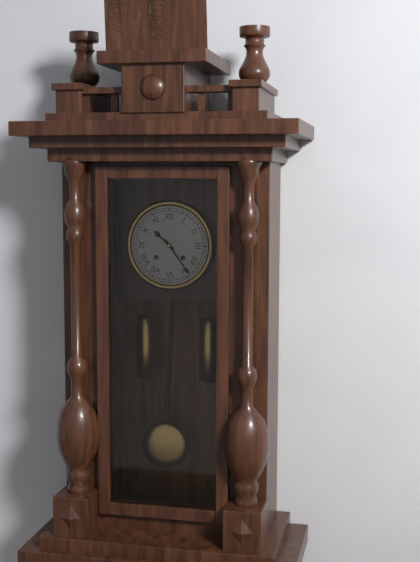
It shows 10:24
